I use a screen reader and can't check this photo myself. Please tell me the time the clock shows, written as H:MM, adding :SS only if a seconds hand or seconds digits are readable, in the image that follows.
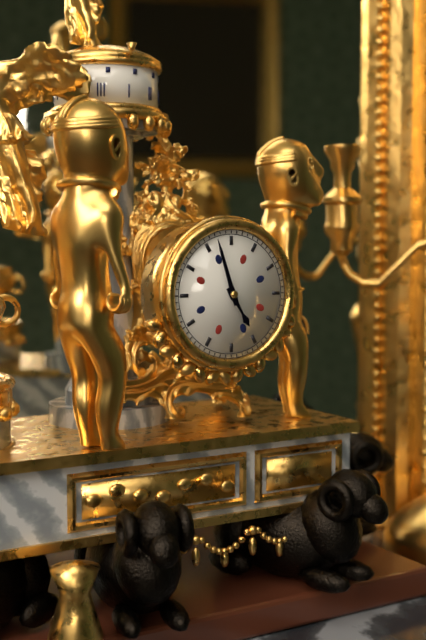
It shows 4:57
